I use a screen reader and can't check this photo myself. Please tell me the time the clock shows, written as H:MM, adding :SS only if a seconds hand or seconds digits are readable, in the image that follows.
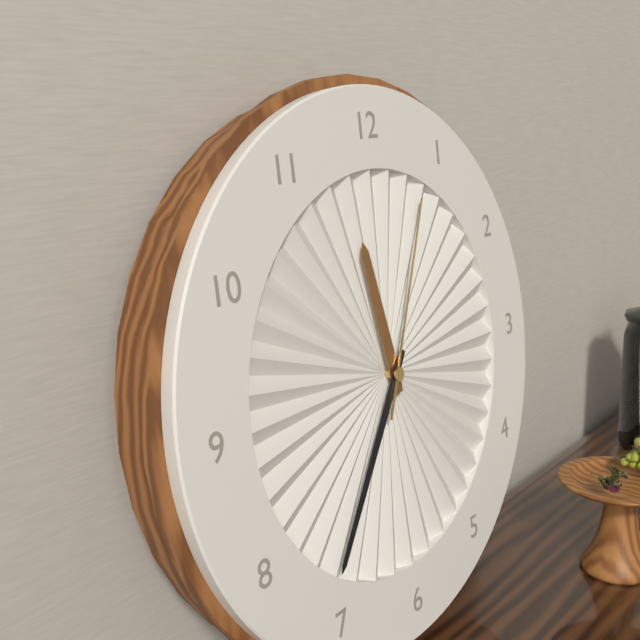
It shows 11:36:04
